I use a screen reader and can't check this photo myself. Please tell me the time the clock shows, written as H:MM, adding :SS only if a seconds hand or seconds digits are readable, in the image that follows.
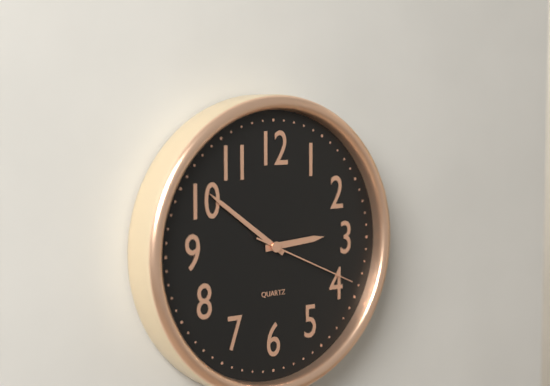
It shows 2:51:19
